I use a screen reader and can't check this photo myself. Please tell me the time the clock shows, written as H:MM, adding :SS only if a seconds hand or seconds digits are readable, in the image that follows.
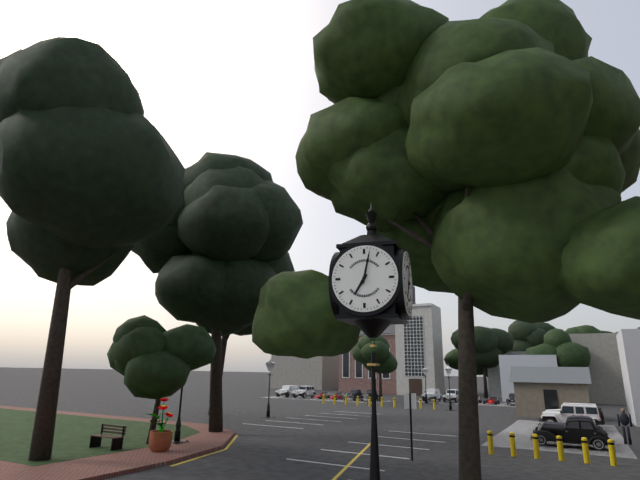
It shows 7:02
